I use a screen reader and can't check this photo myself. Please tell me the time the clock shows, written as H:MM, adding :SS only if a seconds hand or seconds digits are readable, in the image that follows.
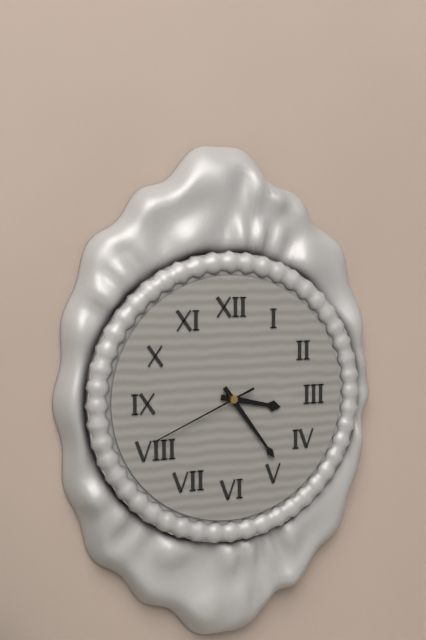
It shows 3:24:41
